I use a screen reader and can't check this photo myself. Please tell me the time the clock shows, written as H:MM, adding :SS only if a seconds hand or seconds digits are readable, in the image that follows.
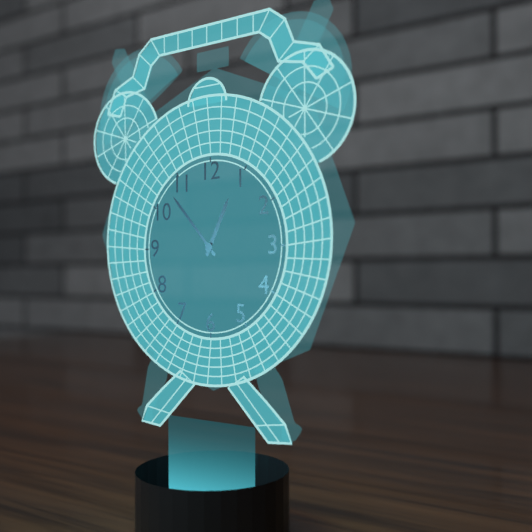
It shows 12:53
